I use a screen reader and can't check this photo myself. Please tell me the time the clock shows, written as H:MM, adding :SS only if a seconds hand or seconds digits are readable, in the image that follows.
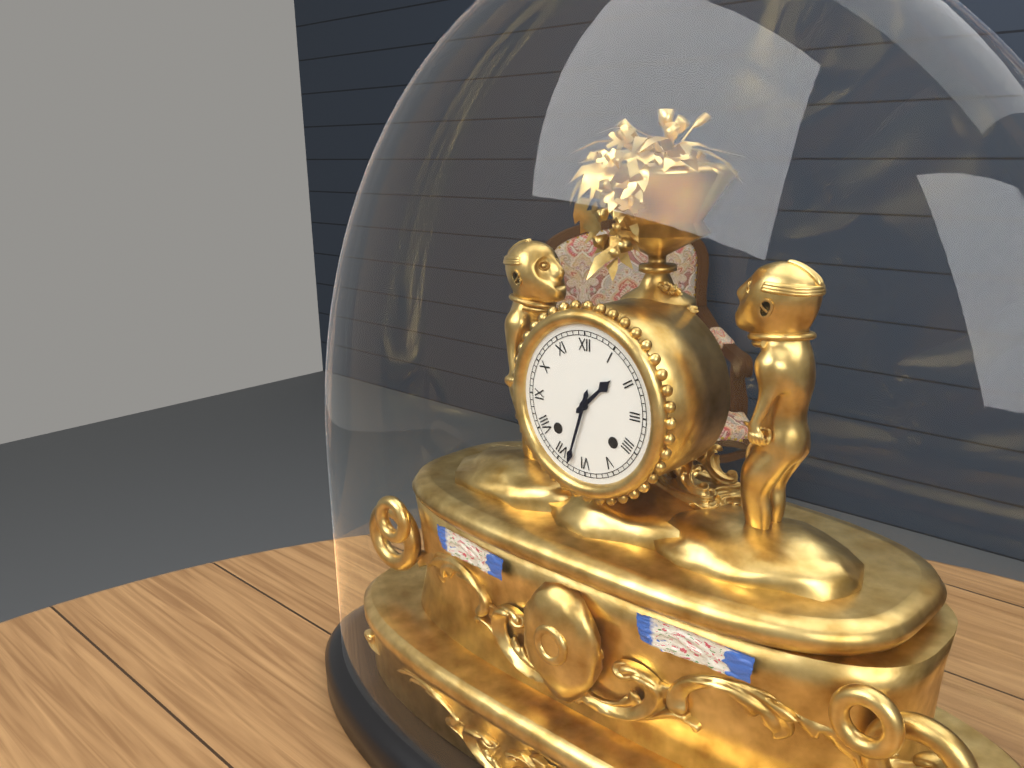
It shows 1:33
